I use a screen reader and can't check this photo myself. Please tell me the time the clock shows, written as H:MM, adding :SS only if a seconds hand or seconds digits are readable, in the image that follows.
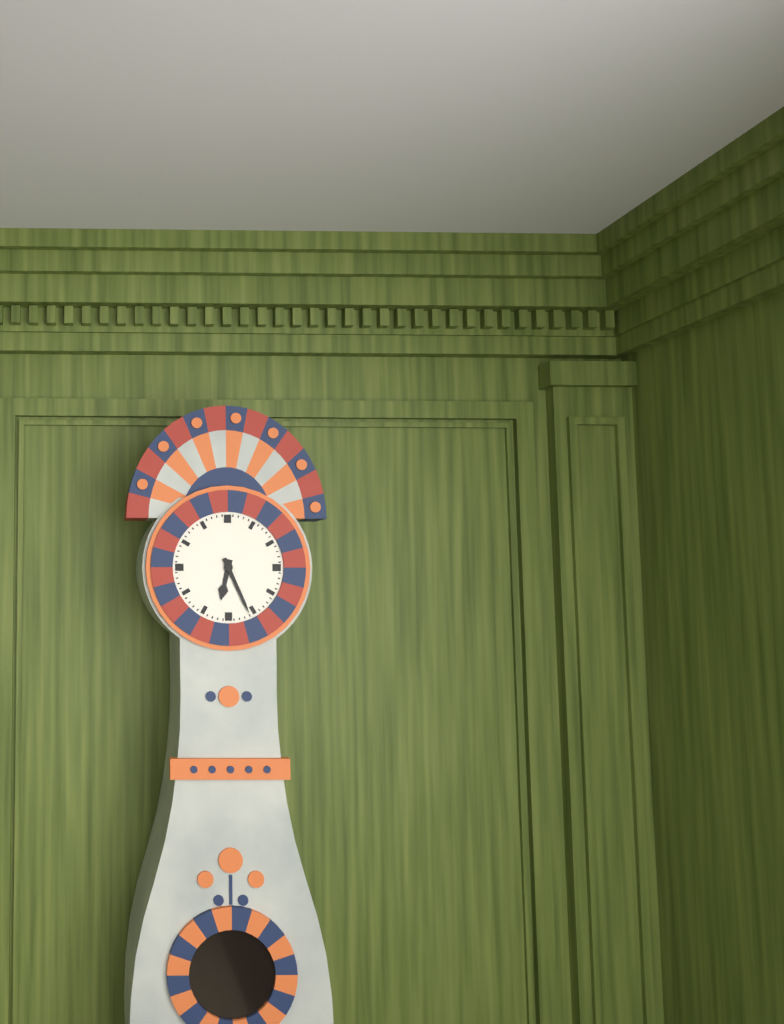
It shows 6:26
